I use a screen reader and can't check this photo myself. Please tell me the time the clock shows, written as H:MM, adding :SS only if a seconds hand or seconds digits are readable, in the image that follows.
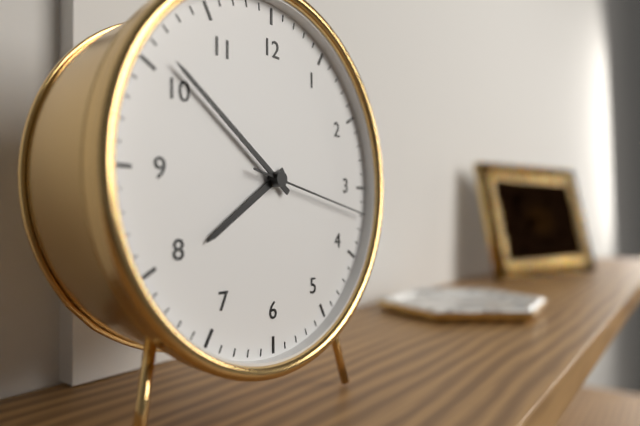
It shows 7:51:17
